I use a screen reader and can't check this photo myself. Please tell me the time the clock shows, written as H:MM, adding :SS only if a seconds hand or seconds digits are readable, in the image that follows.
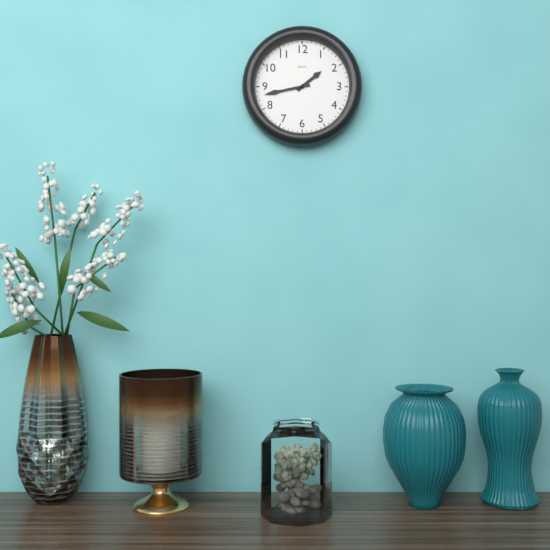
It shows 1:43
